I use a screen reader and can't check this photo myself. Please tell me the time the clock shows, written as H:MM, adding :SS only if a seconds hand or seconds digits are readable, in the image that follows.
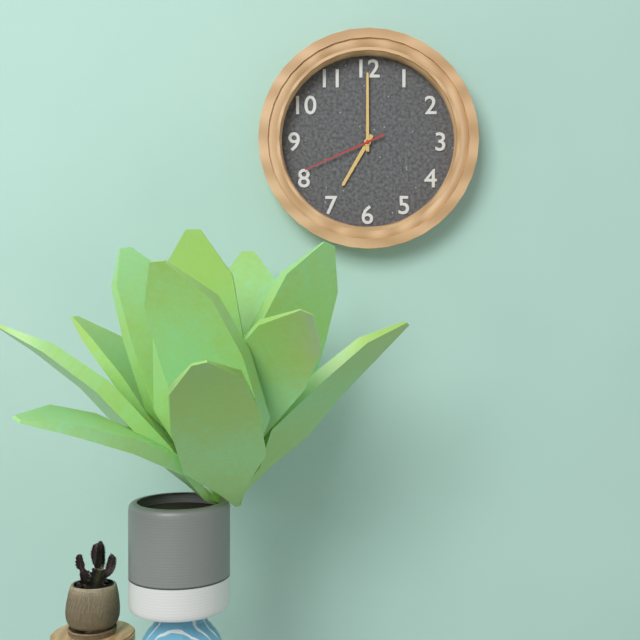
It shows 7:00:41
